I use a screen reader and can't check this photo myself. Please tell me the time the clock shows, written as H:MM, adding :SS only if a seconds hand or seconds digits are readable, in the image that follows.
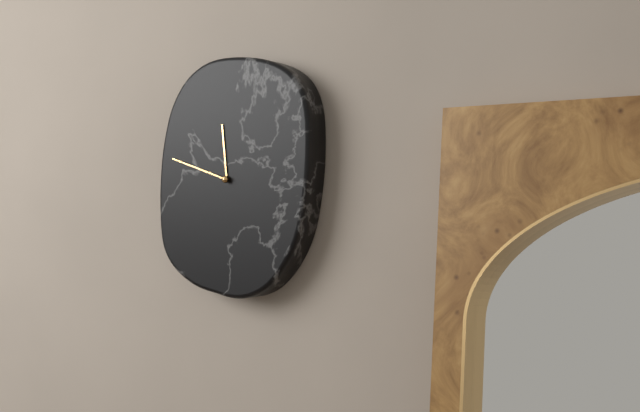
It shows 11:48
